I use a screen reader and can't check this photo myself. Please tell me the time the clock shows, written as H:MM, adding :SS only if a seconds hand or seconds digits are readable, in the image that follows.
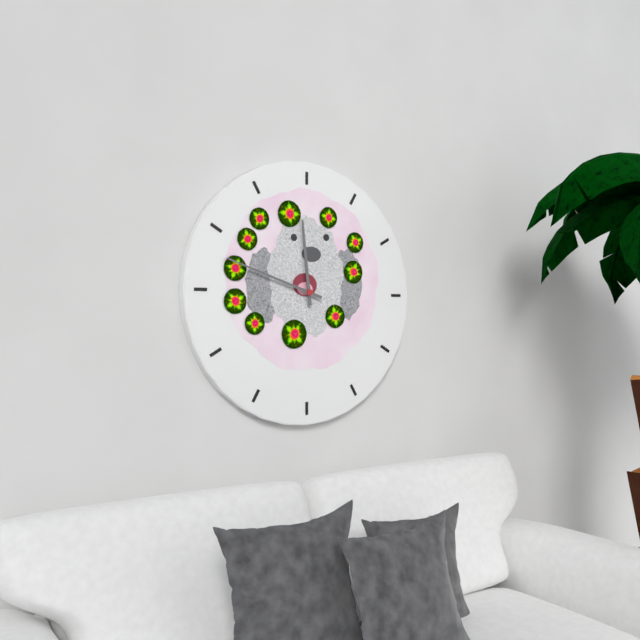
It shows 11:48
